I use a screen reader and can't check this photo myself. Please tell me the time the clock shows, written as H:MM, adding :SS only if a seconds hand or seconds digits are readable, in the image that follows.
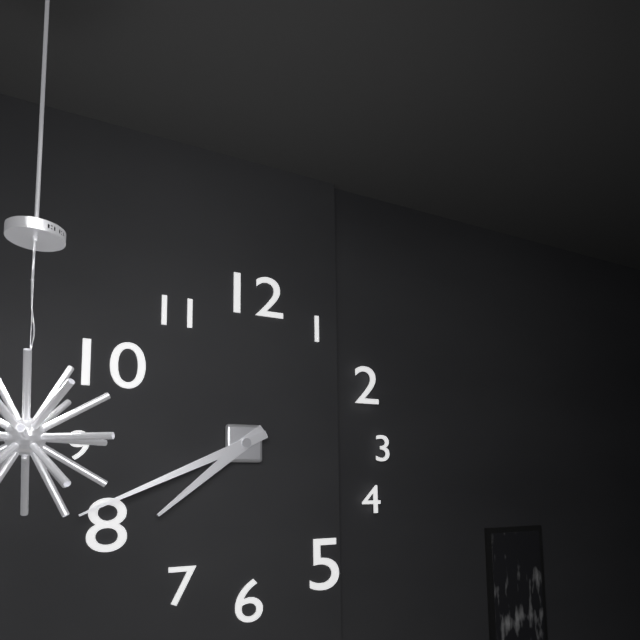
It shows 7:41
